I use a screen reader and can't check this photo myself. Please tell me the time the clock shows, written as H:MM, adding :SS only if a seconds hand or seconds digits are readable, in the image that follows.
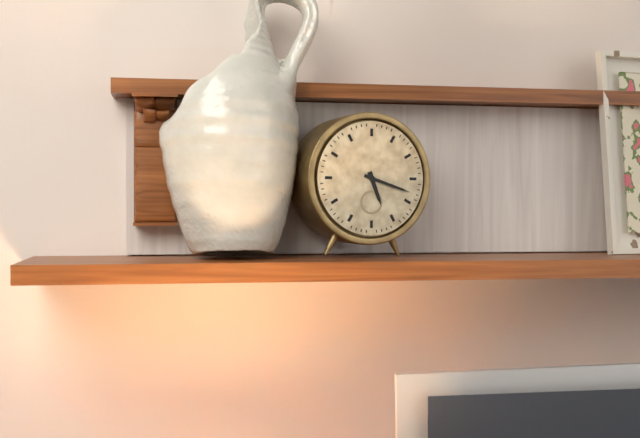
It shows 5:18
